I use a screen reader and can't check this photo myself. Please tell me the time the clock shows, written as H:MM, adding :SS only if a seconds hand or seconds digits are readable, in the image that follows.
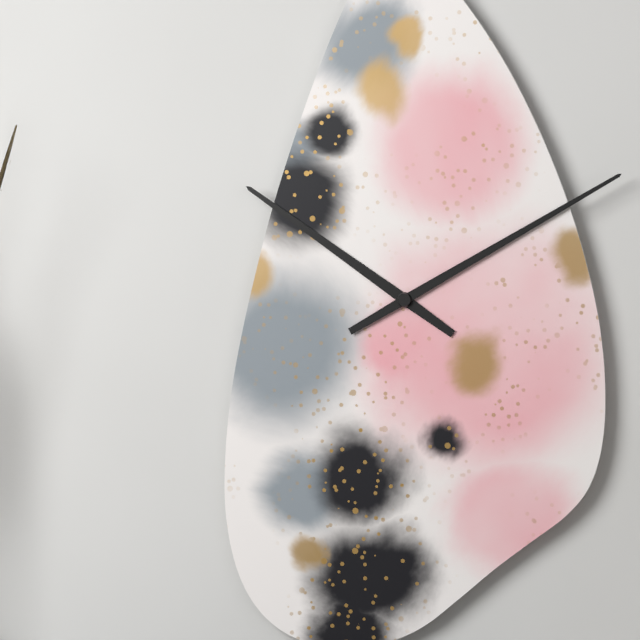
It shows 10:10
